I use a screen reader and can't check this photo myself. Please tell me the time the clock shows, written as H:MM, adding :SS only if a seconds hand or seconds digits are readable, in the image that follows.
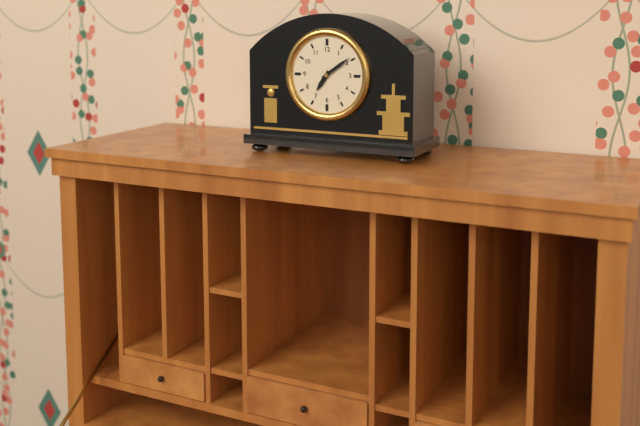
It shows 7:09
